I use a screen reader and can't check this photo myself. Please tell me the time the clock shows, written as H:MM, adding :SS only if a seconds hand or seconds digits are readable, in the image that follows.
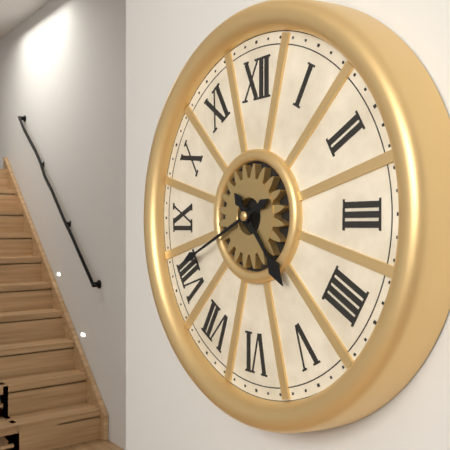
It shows 4:41
